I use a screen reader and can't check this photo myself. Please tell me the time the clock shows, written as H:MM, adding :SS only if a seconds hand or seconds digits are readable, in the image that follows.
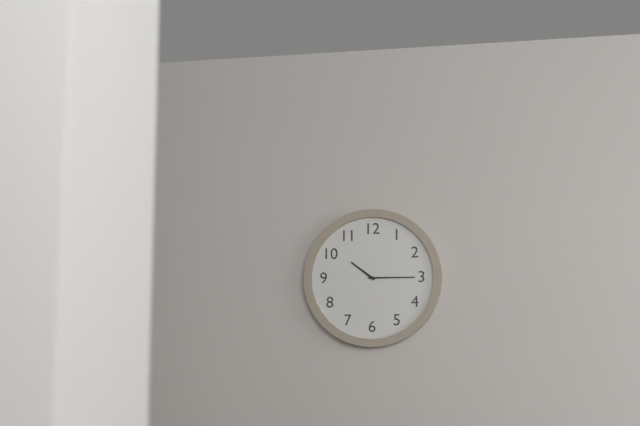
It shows 10:15
